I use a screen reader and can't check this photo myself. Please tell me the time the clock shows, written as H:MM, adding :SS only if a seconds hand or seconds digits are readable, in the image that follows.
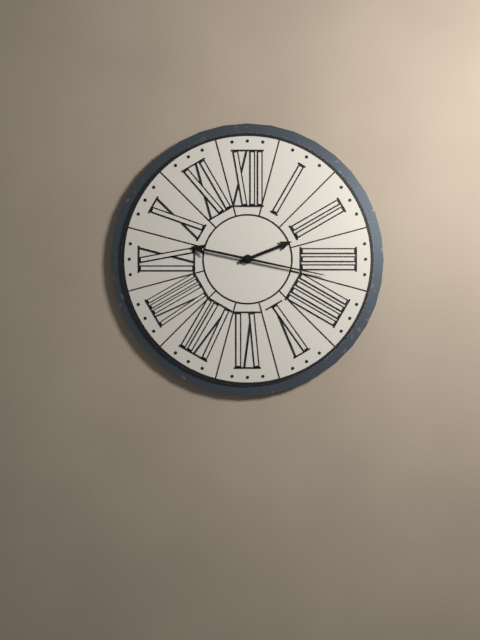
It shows 2:17
